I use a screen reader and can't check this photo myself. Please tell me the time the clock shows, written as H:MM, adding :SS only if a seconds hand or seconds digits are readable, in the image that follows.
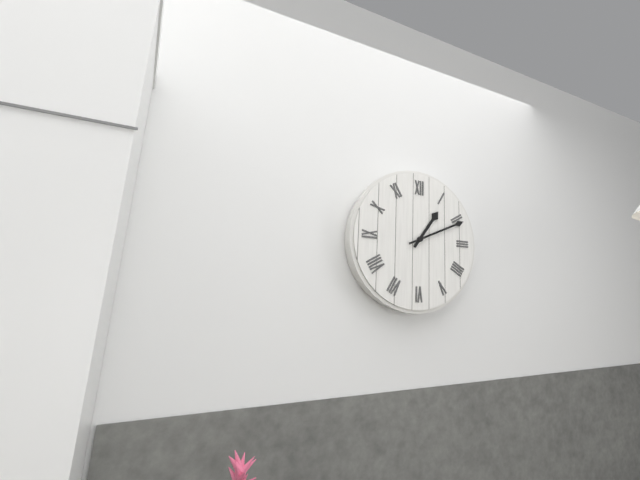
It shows 1:11
